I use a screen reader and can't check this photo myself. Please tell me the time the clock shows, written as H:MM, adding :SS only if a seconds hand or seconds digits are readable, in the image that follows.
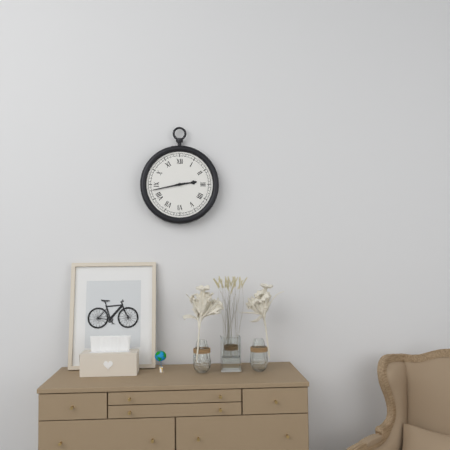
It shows 2:43
